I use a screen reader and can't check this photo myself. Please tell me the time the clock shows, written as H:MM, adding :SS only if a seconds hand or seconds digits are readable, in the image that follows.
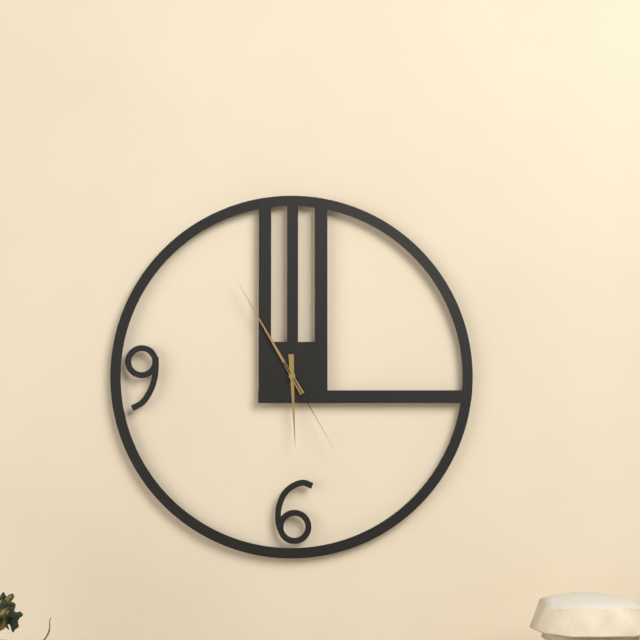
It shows 5:55:25
